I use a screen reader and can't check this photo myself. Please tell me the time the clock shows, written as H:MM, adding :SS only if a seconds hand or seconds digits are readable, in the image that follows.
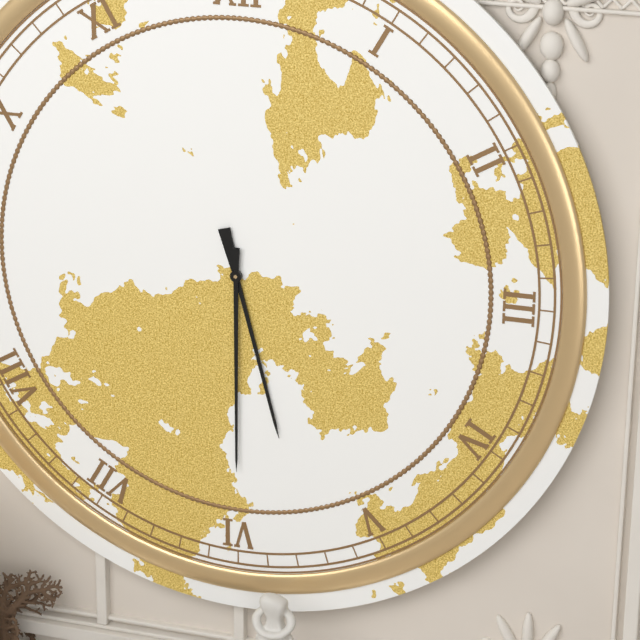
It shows 5:30
